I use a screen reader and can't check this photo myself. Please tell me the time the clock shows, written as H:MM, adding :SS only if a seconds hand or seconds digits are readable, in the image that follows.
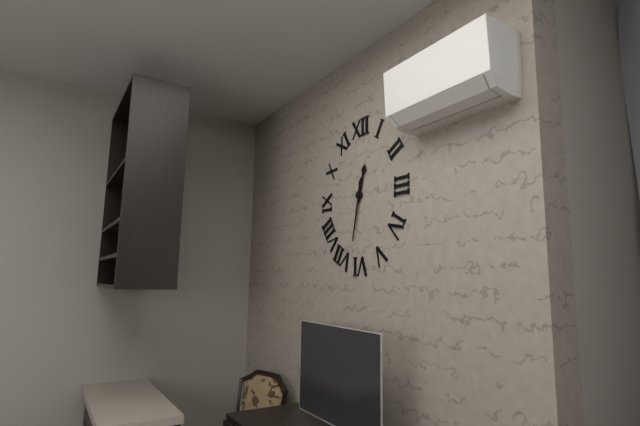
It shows 12:32
